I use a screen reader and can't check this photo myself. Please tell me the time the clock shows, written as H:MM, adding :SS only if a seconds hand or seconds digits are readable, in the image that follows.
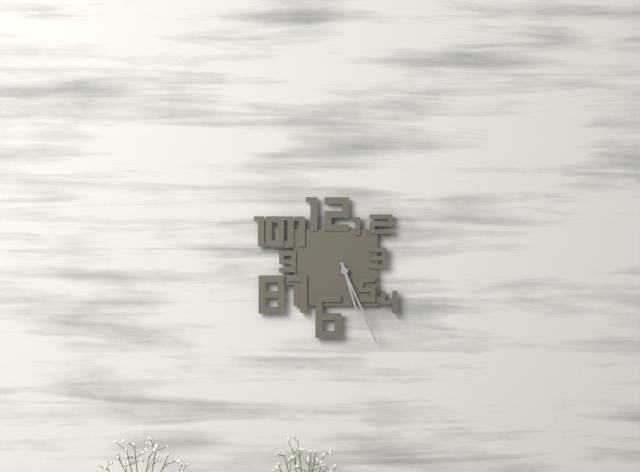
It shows 5:26
